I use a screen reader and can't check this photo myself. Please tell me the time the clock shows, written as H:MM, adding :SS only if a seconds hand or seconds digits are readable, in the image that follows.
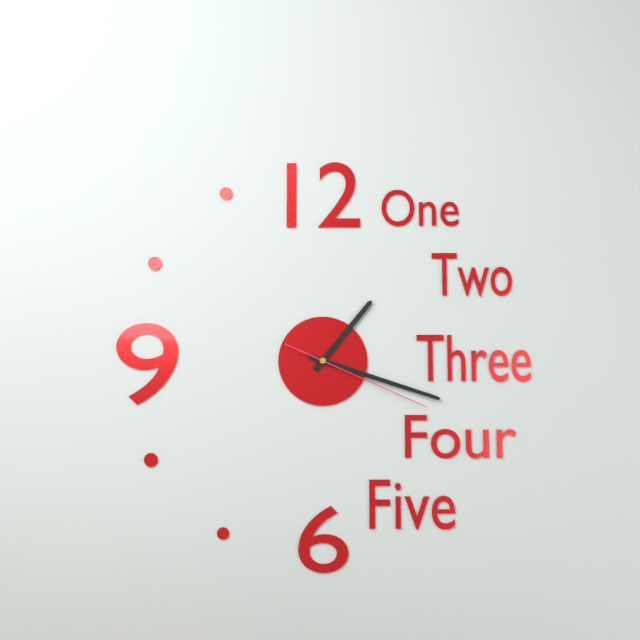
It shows 1:18:19
